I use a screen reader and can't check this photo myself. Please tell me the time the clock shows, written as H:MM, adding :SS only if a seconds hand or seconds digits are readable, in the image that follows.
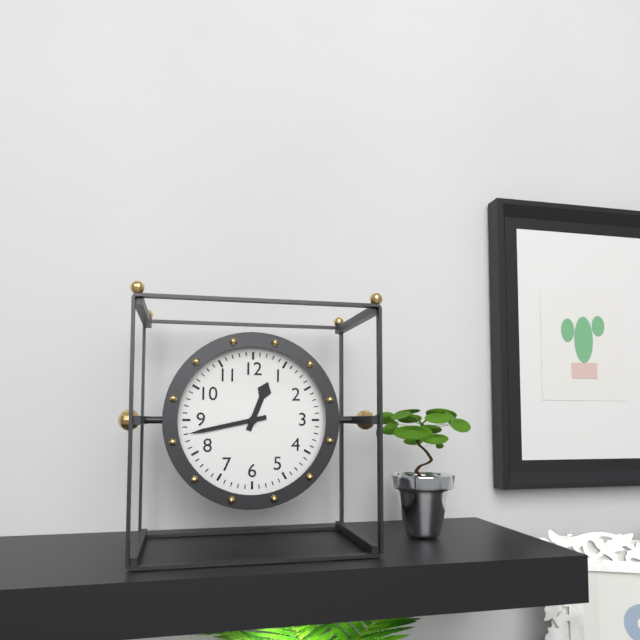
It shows 12:43
